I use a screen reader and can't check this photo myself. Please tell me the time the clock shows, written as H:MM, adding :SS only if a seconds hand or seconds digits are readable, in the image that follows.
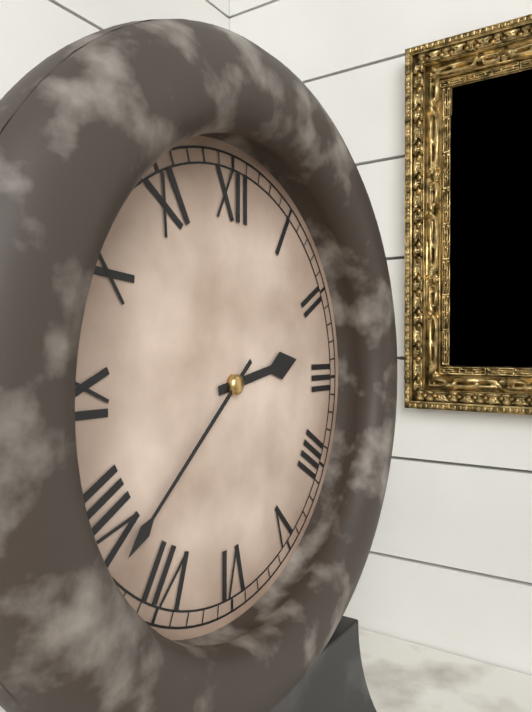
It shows 2:38
